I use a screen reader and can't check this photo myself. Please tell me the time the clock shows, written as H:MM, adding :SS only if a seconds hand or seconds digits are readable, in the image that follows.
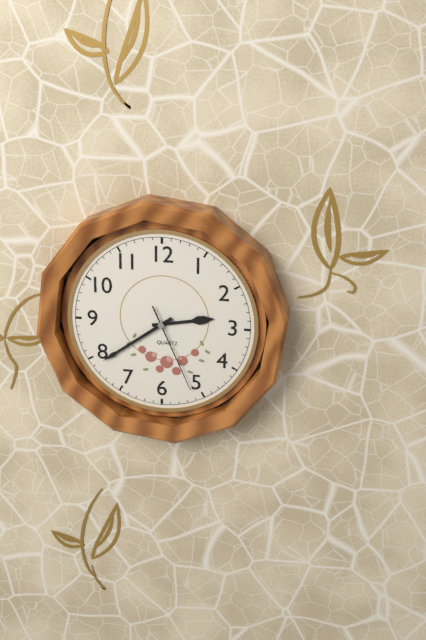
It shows 2:39:26
